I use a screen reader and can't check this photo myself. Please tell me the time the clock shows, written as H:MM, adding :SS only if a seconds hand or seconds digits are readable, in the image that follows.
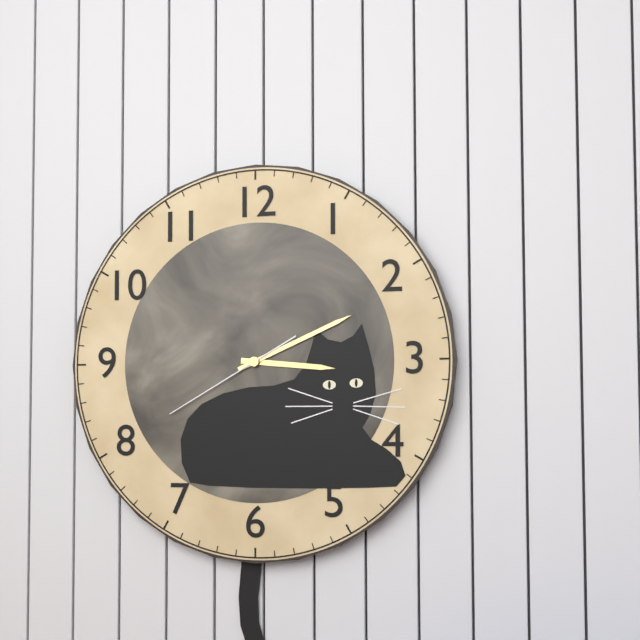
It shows 3:11:40
